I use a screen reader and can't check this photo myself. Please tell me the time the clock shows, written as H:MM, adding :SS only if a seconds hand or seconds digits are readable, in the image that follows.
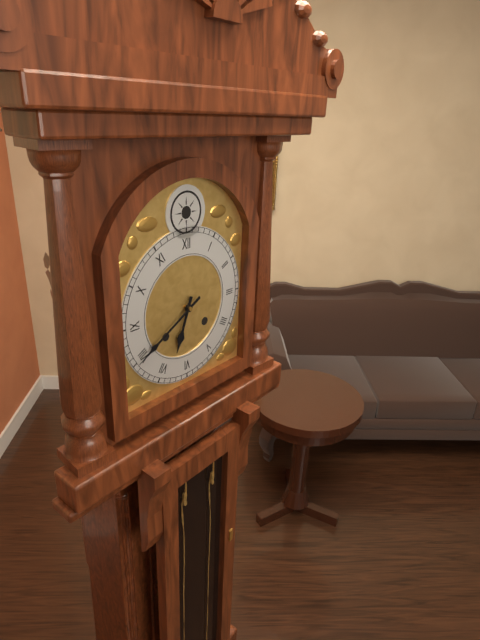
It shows 6:40
